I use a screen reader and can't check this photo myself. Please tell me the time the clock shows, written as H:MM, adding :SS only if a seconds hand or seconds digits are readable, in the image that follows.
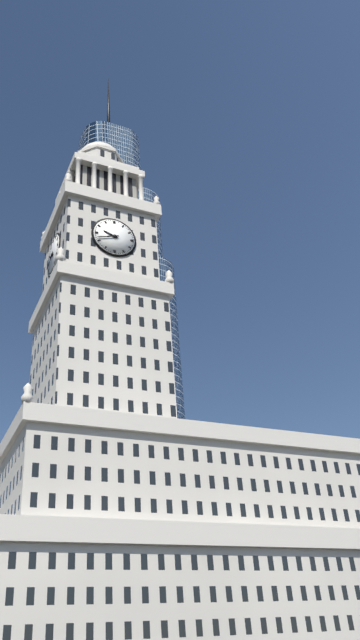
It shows 9:42
